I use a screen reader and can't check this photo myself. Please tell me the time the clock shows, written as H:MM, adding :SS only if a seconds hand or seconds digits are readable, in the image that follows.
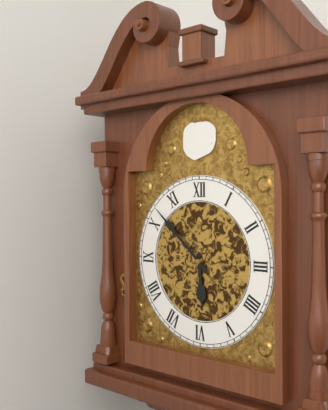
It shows 5:52
